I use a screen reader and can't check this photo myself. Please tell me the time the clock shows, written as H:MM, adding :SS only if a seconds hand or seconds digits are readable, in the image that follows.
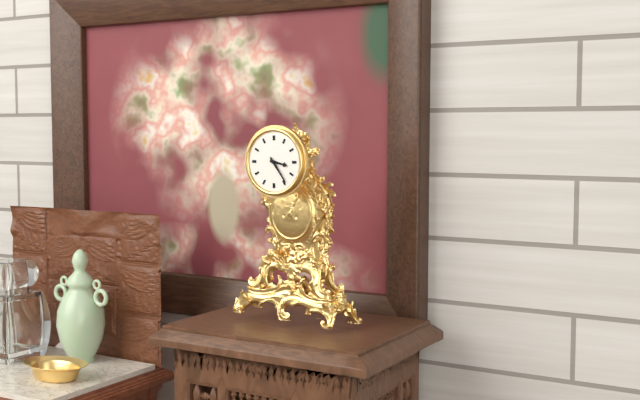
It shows 3:24
